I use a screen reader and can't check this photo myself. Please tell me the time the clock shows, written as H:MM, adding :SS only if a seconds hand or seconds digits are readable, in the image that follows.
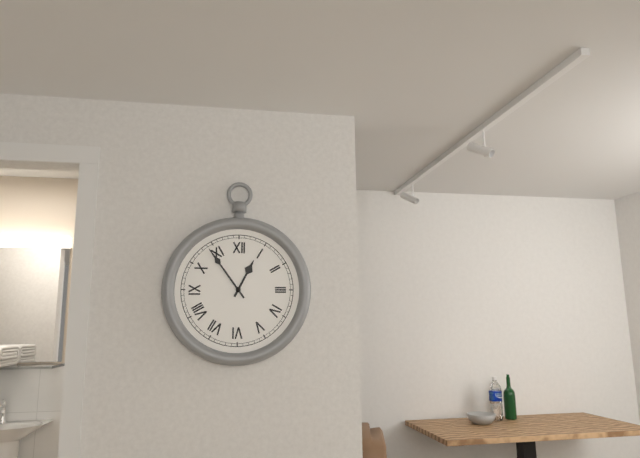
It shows 12:54
